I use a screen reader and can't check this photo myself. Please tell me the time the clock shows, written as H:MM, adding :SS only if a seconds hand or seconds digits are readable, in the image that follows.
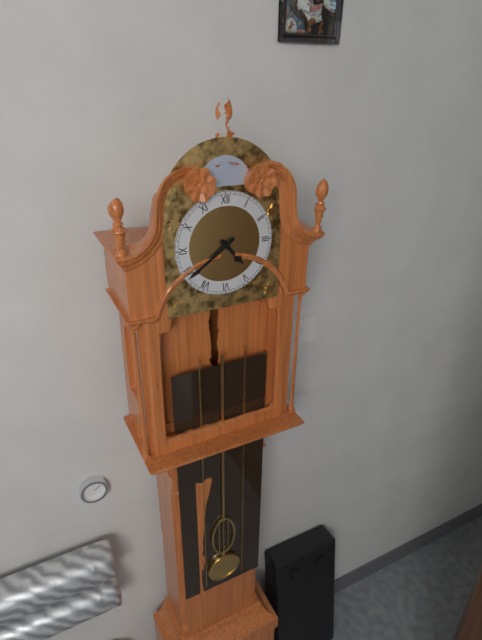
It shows 4:39
